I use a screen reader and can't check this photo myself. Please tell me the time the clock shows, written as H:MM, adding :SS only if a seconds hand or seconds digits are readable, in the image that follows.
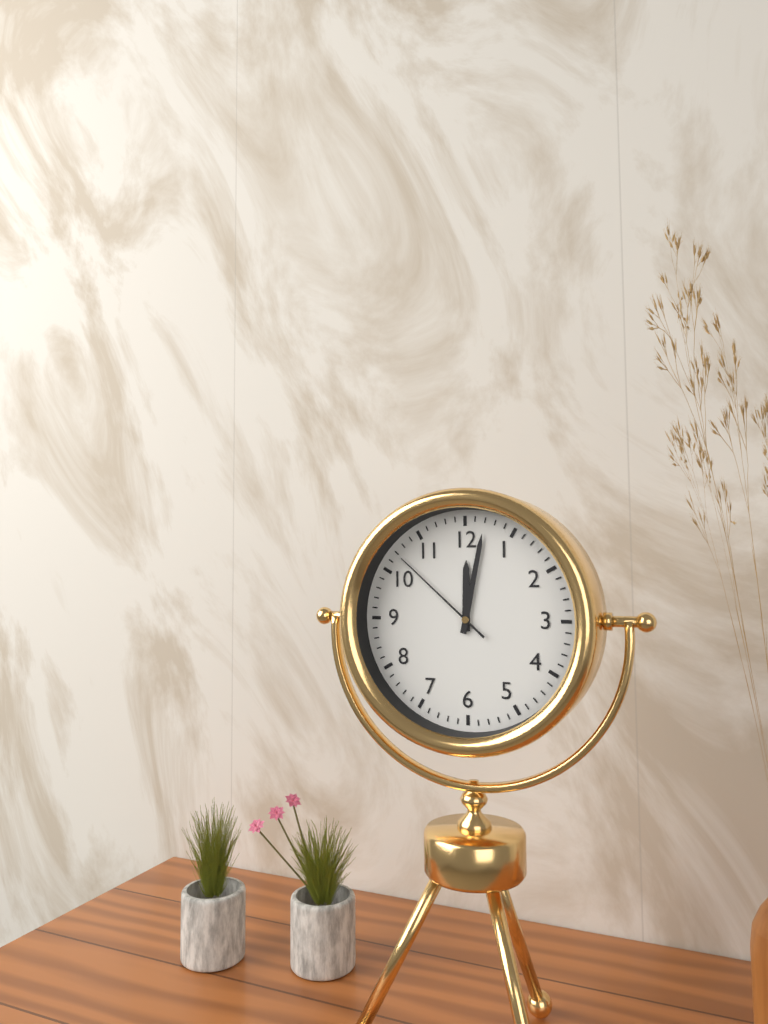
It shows 12:02:52
